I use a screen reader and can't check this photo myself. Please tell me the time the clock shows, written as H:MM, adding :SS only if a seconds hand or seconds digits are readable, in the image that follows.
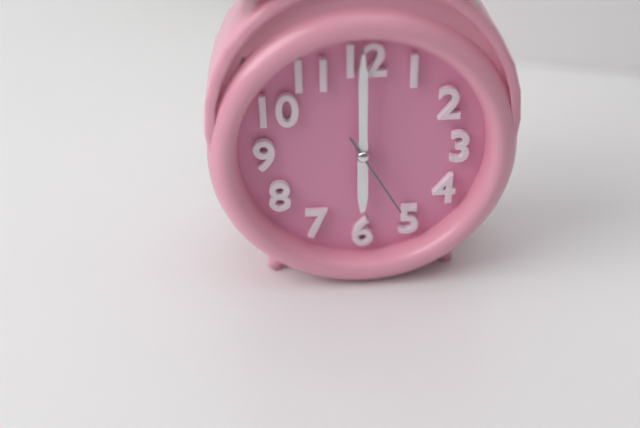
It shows 6:00:25
